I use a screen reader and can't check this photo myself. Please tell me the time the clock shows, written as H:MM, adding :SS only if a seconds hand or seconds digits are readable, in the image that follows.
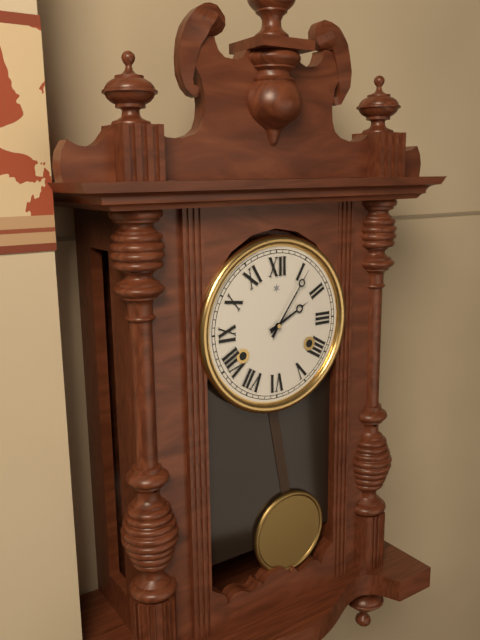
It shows 2:06
